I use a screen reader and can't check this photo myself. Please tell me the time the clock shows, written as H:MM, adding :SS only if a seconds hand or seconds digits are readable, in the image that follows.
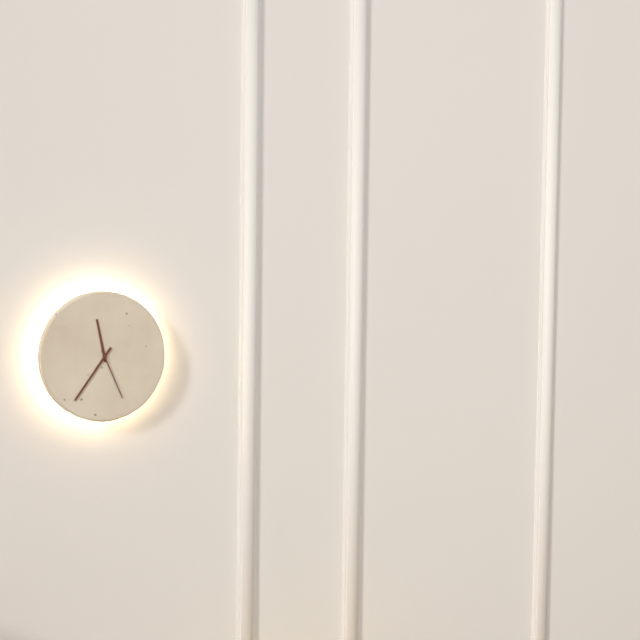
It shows 11:36:26
